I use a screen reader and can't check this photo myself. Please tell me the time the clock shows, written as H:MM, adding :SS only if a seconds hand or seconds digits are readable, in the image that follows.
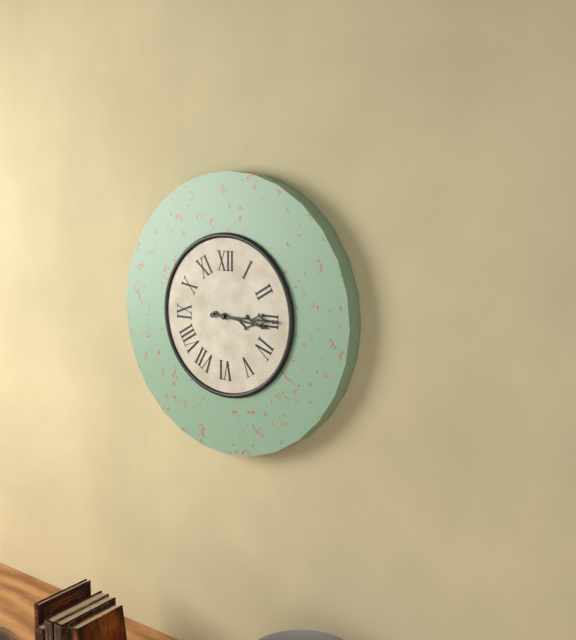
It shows 3:15
